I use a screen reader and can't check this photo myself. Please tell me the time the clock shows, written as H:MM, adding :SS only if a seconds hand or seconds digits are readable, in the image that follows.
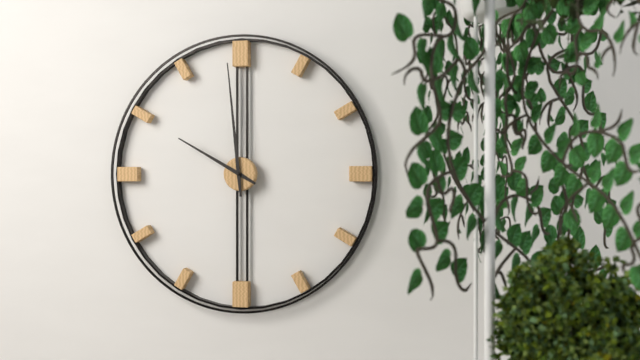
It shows 9:59
